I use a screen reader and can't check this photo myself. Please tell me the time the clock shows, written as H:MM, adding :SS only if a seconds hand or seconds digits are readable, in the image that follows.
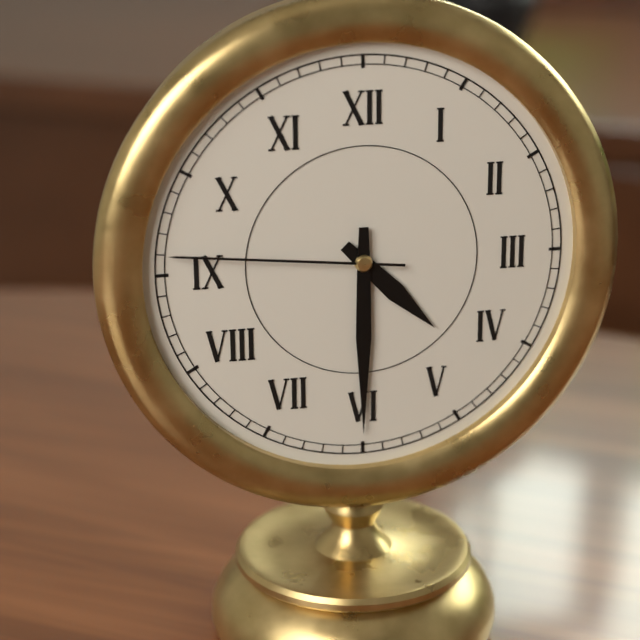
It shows 4:30:46
